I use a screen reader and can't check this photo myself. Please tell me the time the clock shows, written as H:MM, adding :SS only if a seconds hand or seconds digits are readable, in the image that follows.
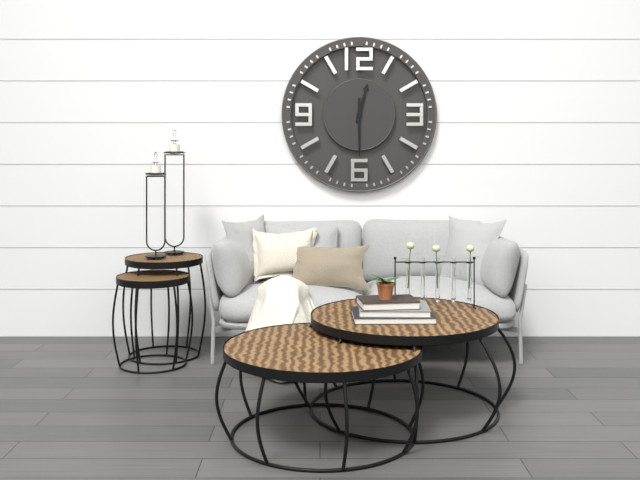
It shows 12:30
